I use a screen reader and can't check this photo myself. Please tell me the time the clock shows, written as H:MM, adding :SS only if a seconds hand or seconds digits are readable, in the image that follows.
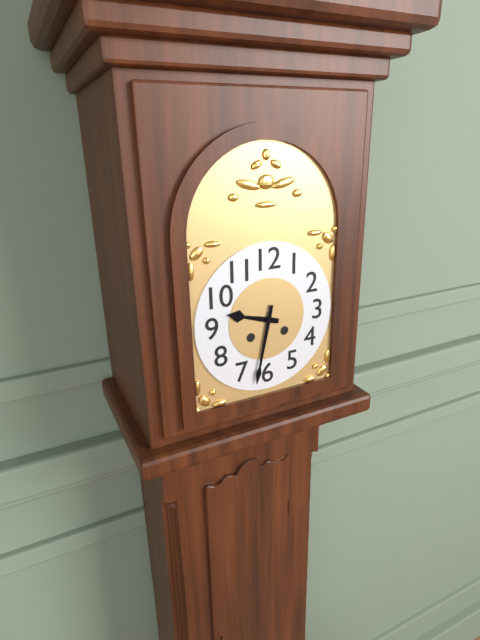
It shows 9:32
